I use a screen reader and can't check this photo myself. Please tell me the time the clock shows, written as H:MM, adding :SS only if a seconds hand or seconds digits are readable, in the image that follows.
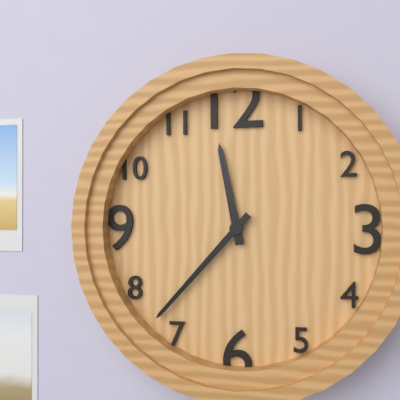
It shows 11:37
